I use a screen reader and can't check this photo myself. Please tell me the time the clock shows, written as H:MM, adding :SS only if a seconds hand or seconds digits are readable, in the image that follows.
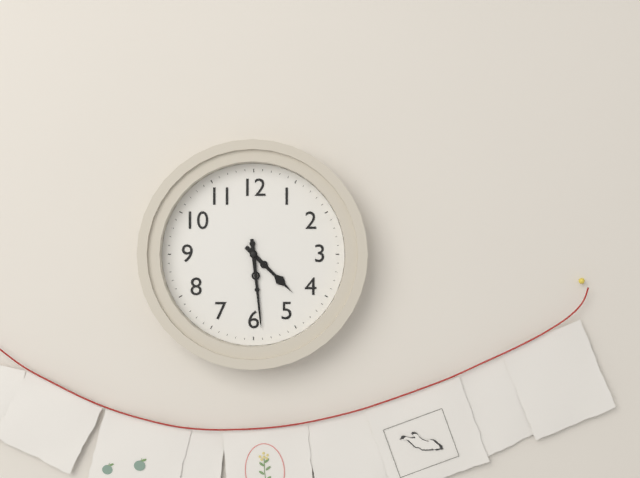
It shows 4:29
